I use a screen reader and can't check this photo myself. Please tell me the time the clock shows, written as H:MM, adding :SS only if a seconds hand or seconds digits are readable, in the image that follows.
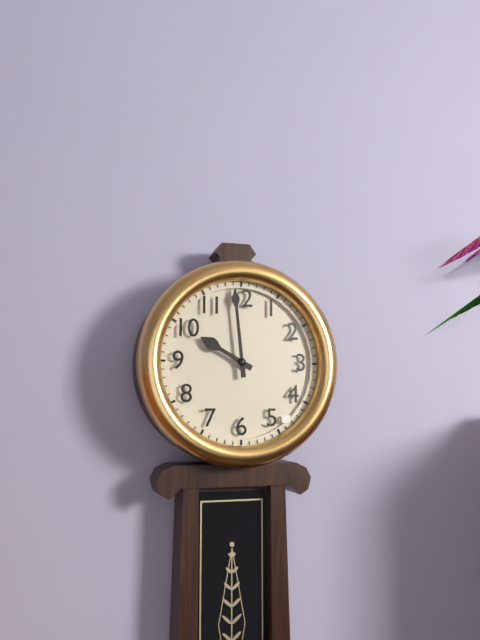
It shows 9:59
